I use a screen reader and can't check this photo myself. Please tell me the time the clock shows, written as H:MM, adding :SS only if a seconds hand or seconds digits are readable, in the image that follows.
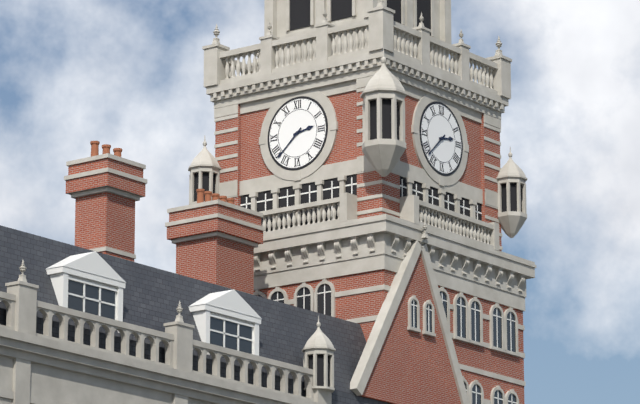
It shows 2:38
